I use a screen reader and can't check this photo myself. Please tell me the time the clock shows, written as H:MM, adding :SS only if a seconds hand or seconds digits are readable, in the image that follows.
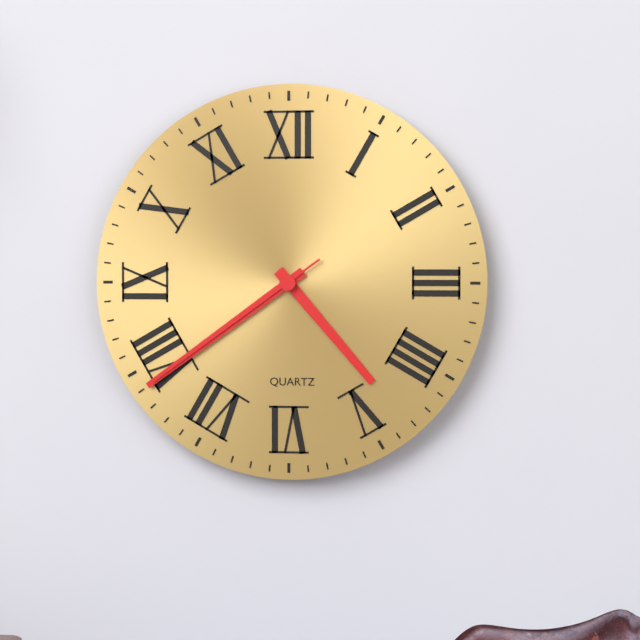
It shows 4:39:39
